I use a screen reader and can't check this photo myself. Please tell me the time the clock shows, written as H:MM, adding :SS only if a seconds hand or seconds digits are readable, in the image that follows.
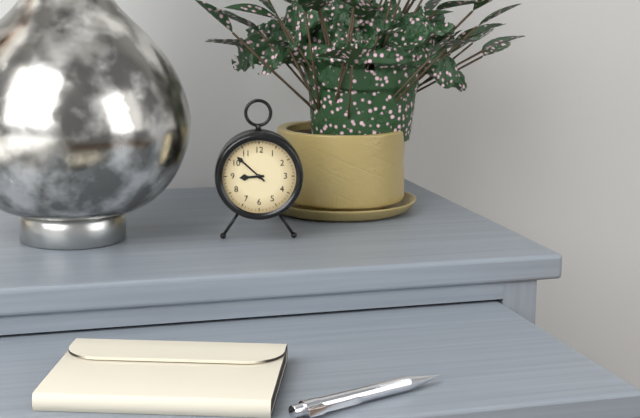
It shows 8:52
